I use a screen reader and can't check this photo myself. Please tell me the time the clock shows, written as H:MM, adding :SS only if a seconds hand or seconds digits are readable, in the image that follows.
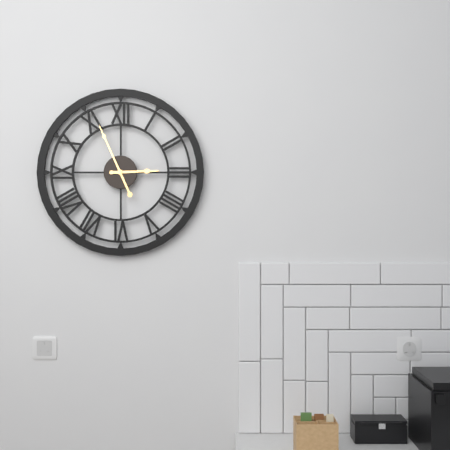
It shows 2:56
